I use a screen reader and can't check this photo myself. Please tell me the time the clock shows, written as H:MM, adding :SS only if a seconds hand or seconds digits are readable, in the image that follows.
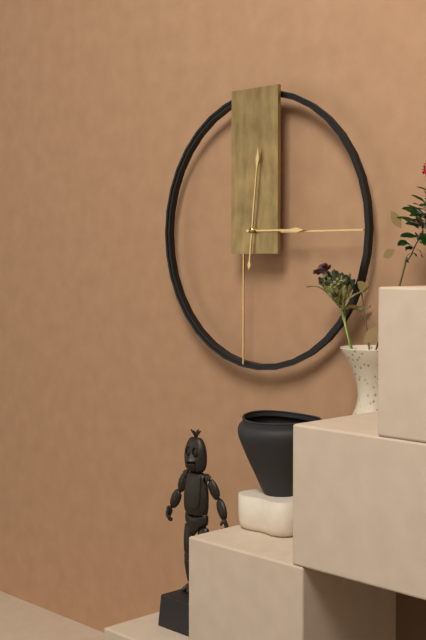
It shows 3:01
